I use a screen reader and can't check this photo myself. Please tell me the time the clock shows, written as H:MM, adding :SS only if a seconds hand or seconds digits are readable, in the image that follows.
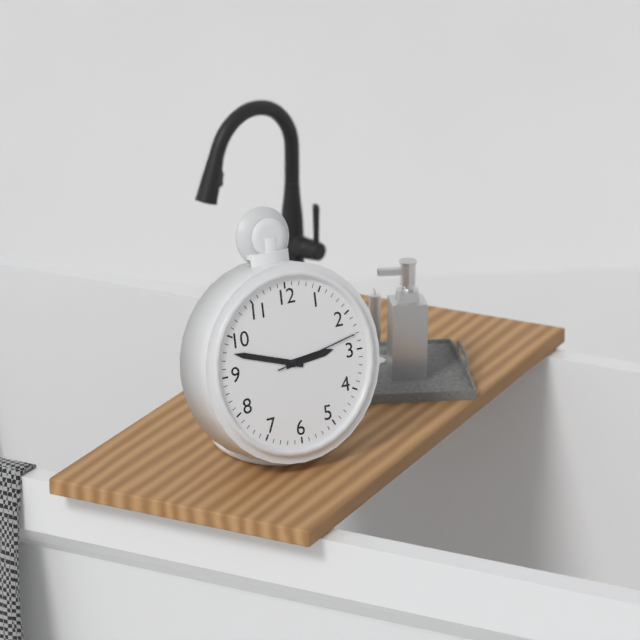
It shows 2:48:13
